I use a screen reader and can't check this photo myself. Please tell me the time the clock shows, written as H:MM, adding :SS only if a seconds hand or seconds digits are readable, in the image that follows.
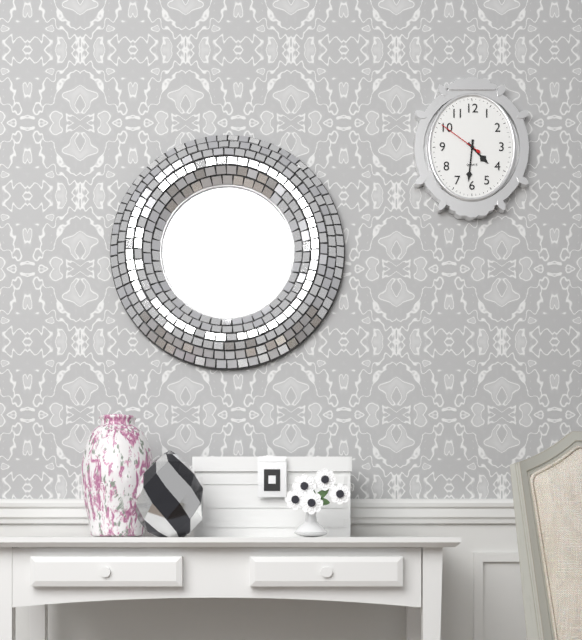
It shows 4:31
